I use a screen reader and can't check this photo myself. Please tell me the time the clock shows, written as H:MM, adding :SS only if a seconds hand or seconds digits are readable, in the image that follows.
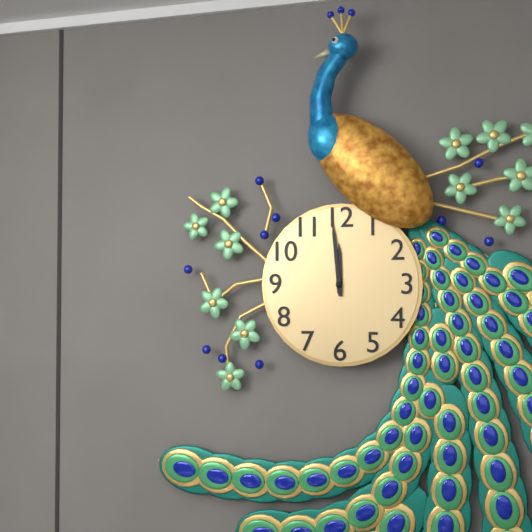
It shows 11:59
